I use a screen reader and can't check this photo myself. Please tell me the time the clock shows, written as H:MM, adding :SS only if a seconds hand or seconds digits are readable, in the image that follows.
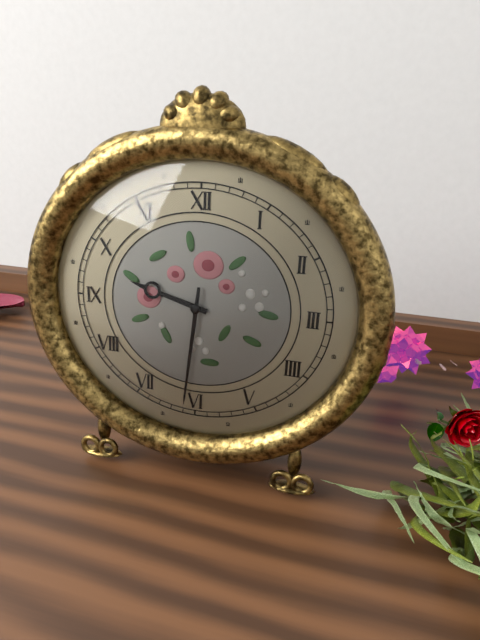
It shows 9:31
